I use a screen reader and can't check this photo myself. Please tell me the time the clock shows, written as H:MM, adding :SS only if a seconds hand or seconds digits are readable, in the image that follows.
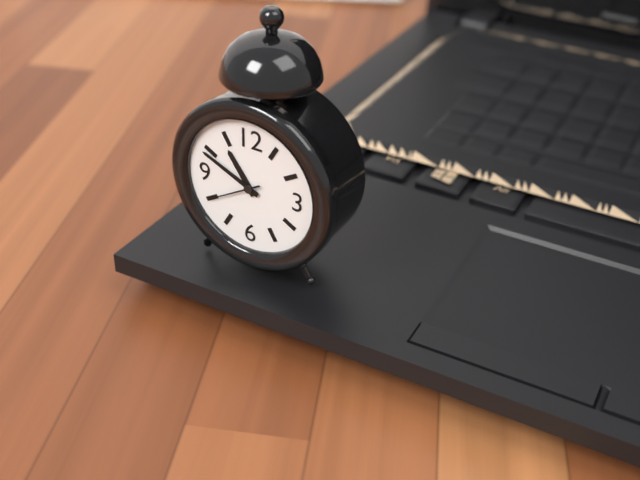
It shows 10:49:40
